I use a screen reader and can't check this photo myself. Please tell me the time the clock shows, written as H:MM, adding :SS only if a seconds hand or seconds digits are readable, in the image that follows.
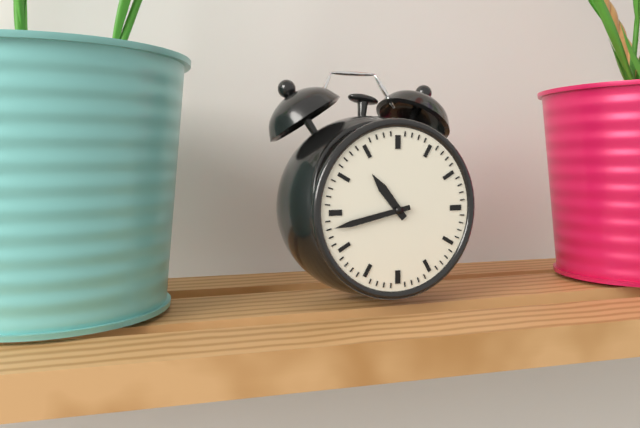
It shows 10:43
